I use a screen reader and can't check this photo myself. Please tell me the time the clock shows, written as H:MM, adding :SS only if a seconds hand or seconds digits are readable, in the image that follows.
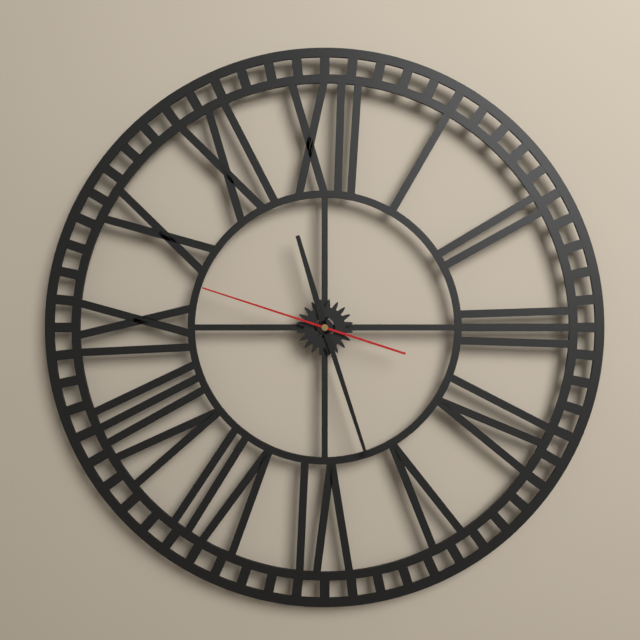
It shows 11:27:48
